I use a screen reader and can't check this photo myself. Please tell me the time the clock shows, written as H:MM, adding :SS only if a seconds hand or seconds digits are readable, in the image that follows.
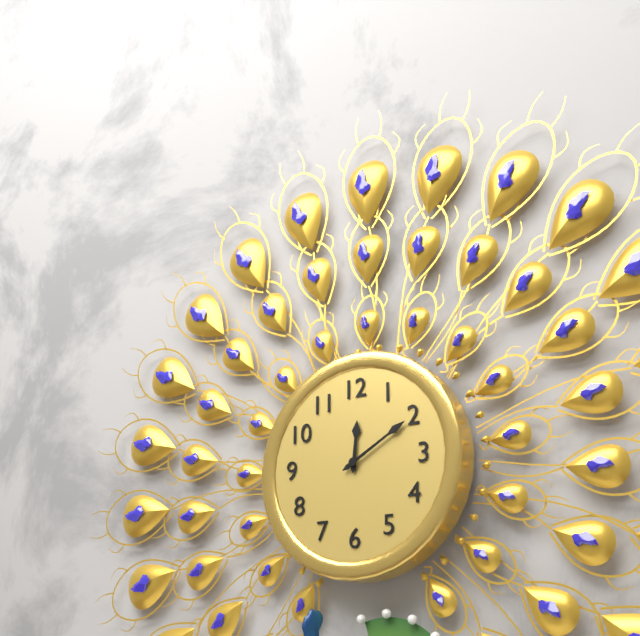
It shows 12:10
